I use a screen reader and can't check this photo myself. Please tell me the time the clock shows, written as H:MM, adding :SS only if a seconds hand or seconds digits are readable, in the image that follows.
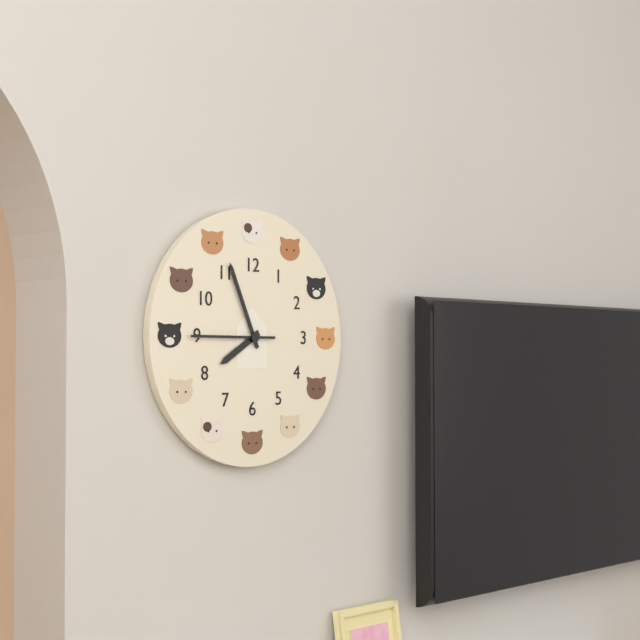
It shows 7:56:45
